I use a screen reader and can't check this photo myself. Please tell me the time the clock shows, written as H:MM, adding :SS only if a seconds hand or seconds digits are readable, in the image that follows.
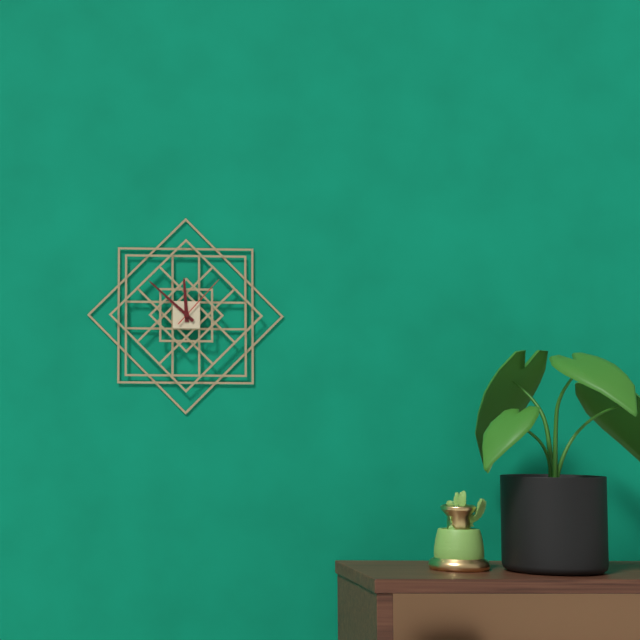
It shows 11:52:07
